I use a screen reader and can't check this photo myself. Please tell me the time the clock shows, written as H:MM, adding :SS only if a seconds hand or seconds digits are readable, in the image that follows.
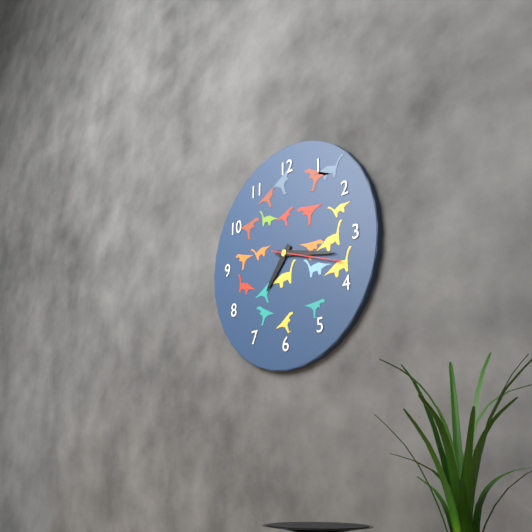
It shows 7:17:18
